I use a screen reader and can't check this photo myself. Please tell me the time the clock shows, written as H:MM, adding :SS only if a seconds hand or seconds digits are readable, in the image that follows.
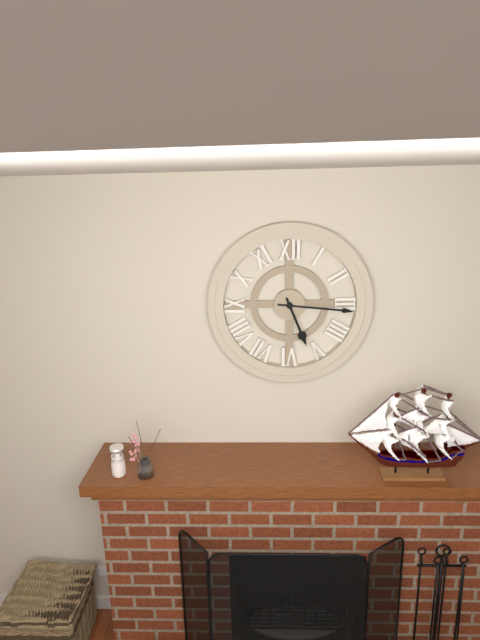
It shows 5:16
